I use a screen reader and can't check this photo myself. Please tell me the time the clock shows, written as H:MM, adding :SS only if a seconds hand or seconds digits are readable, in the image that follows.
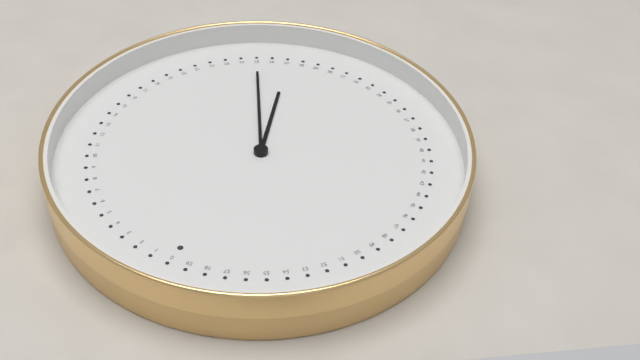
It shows 5:25
